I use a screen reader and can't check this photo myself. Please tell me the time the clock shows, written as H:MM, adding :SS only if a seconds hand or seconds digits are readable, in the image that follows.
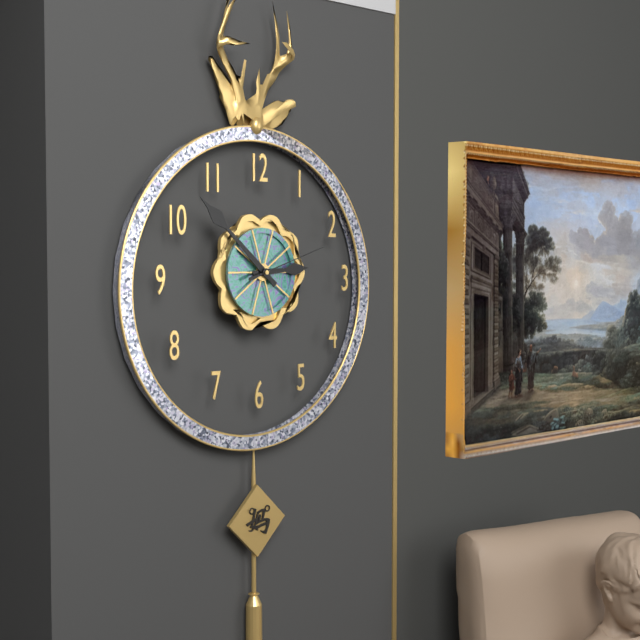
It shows 2:52:12
